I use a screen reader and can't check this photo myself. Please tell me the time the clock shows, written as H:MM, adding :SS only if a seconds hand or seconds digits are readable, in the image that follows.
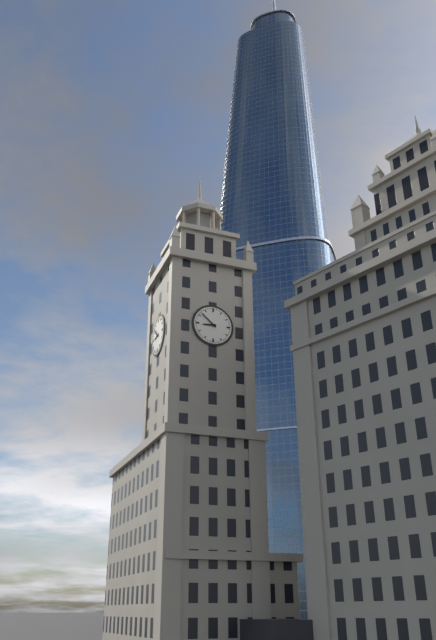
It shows 8:52
